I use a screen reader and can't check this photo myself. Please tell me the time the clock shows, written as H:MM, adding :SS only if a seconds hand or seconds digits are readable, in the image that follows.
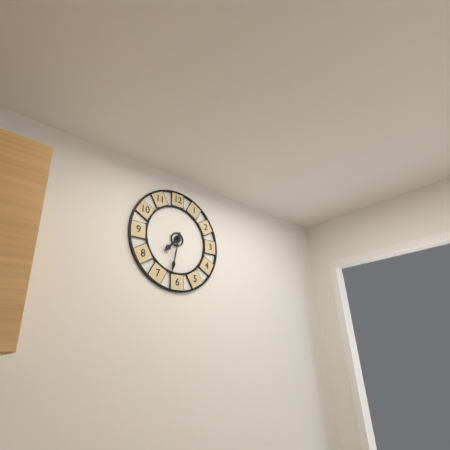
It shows 7:32
